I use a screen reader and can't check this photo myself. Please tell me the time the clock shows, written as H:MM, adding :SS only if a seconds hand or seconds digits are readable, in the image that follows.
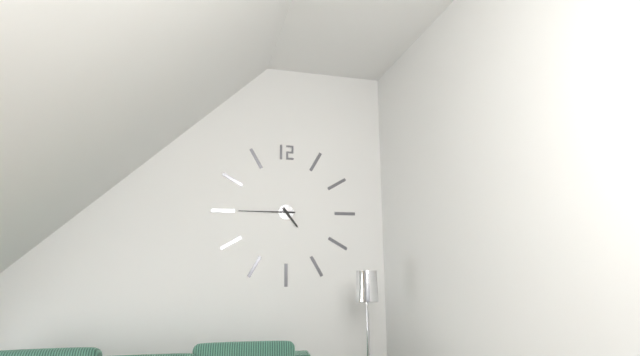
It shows 4:45
